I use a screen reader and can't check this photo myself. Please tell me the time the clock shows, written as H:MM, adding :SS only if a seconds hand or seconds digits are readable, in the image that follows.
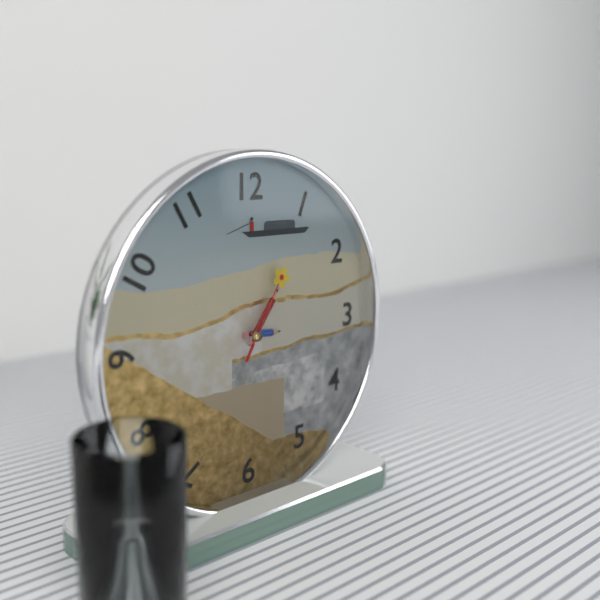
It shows 3:06:05
